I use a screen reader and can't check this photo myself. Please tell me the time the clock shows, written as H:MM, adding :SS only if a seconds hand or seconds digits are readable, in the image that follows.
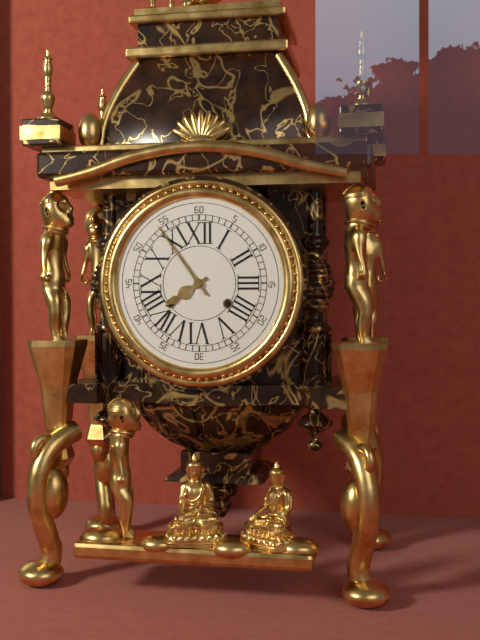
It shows 7:54
